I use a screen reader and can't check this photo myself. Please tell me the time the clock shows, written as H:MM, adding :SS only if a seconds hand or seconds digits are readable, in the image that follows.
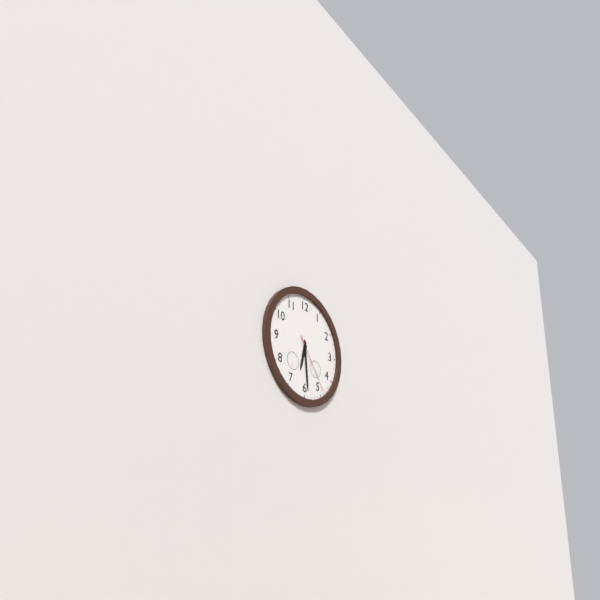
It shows 6:29:24
